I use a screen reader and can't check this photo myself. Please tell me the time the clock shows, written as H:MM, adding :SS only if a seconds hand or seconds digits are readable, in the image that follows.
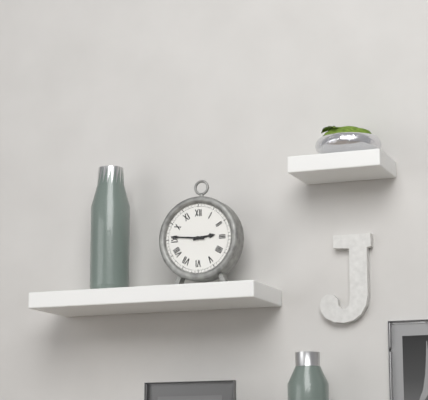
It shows 2:46
